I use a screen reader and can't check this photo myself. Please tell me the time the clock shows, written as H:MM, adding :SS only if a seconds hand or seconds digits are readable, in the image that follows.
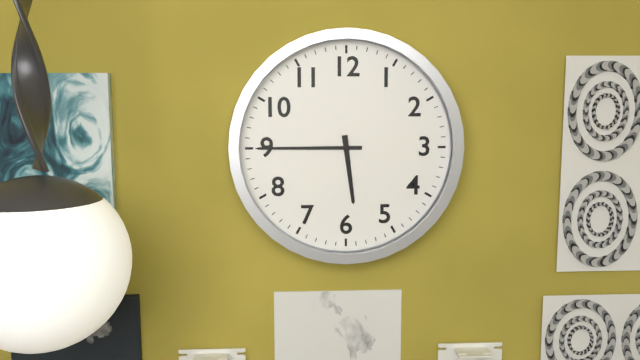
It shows 5:45
